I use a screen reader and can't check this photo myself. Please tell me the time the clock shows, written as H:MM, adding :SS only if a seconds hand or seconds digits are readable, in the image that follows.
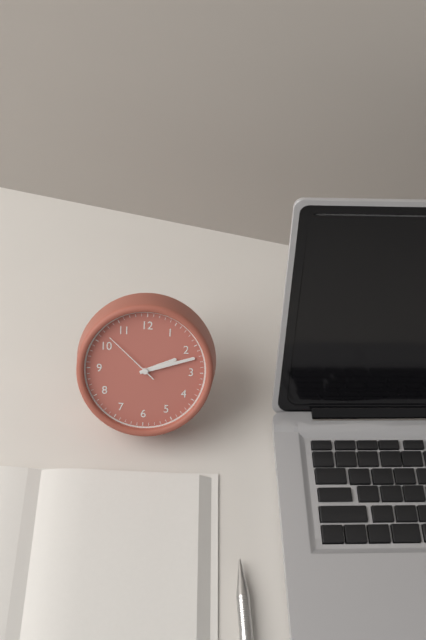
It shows 2:12:52
